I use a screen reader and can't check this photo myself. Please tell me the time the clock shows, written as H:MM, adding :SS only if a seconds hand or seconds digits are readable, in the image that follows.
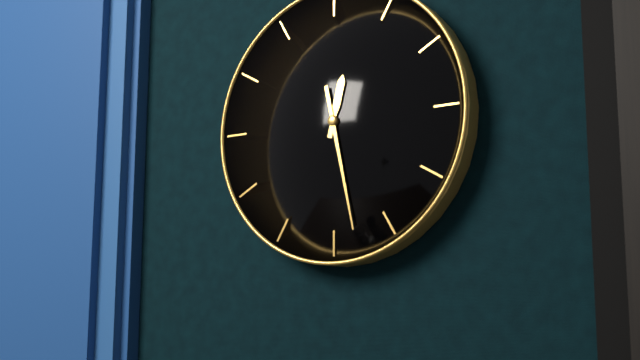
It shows 12:28
